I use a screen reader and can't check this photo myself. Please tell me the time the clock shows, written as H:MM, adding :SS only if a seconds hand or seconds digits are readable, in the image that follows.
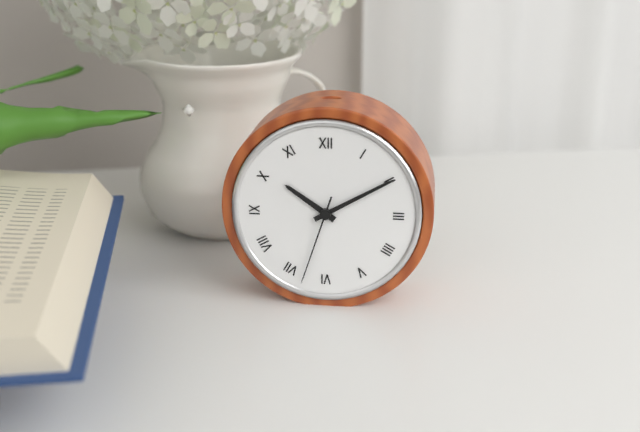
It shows 10:10:33
